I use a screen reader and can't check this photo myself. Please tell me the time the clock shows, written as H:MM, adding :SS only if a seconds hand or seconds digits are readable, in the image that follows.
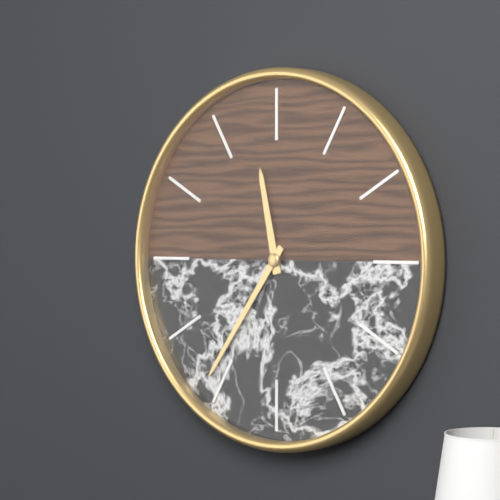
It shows 11:36
